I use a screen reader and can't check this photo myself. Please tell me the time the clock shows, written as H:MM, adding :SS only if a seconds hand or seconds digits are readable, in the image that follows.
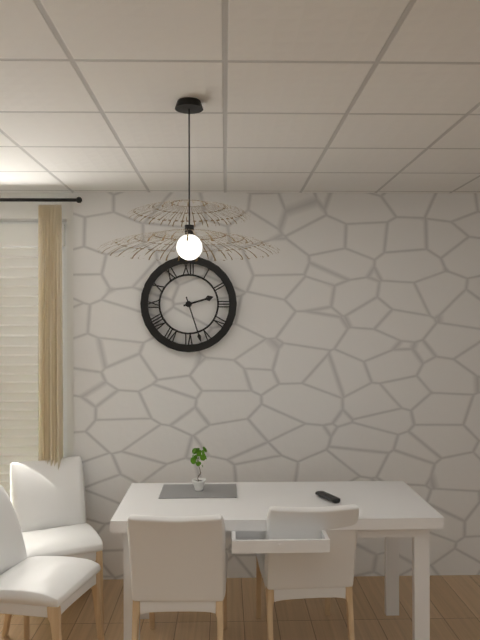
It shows 2:27
